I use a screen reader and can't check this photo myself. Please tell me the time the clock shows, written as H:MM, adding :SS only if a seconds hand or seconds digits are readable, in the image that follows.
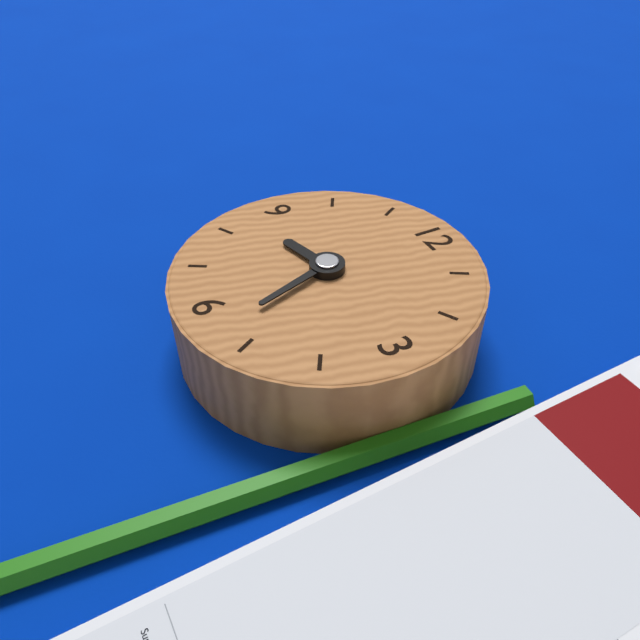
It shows 8:27
